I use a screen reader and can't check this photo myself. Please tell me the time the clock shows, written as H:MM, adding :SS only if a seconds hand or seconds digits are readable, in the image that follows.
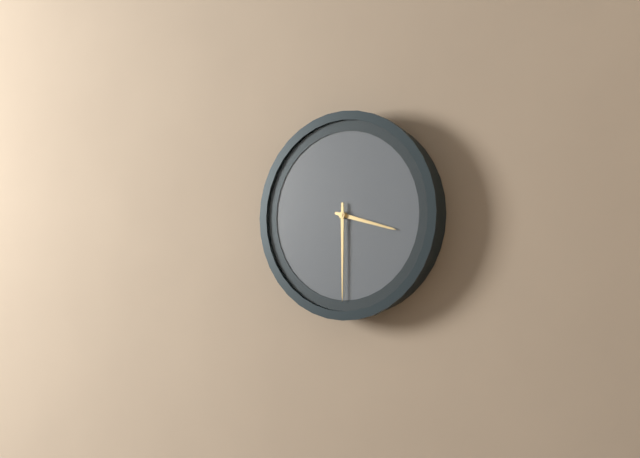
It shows 3:30
